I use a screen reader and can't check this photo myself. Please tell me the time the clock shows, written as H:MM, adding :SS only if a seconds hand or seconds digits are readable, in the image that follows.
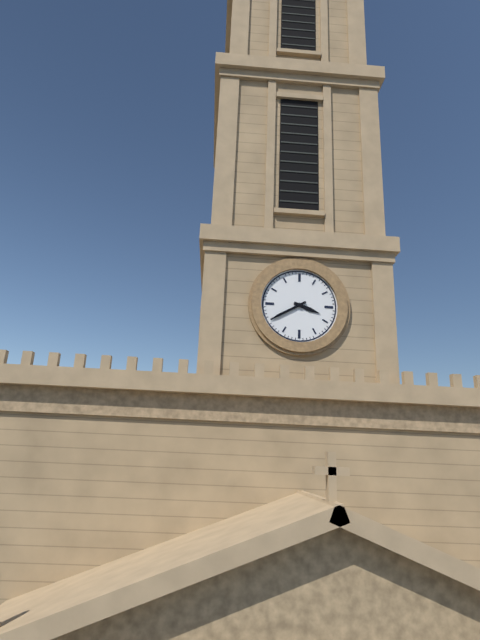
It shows 3:40
